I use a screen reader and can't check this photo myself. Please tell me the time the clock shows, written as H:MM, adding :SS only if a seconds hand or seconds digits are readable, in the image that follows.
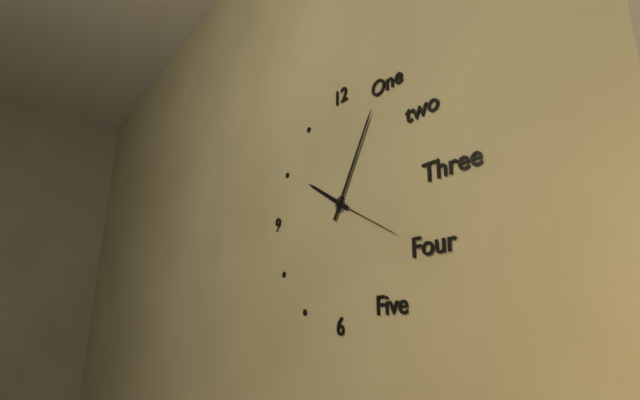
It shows 10:05:20
